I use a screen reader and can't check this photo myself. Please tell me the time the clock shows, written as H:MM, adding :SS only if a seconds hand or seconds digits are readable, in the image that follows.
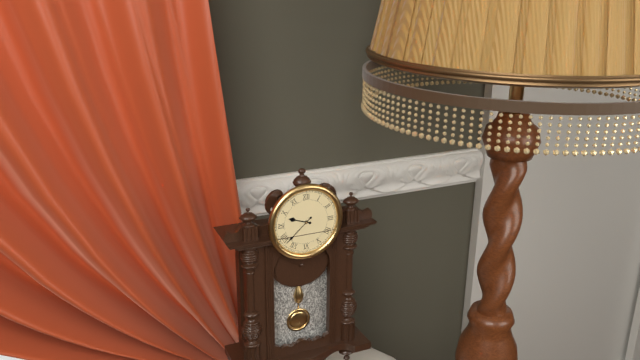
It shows 9:38
